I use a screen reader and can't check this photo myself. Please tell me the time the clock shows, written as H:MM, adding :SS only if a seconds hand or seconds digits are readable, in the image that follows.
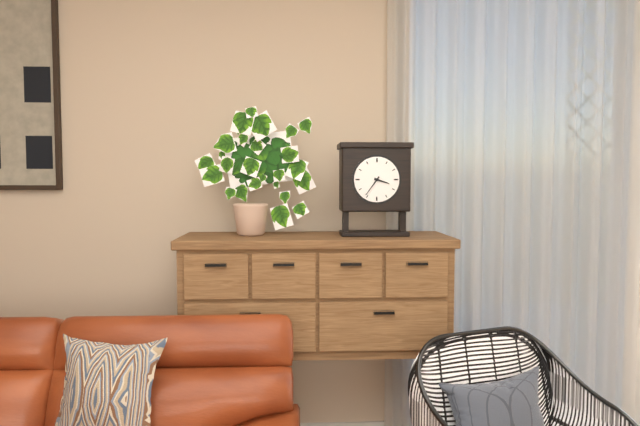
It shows 3:36
